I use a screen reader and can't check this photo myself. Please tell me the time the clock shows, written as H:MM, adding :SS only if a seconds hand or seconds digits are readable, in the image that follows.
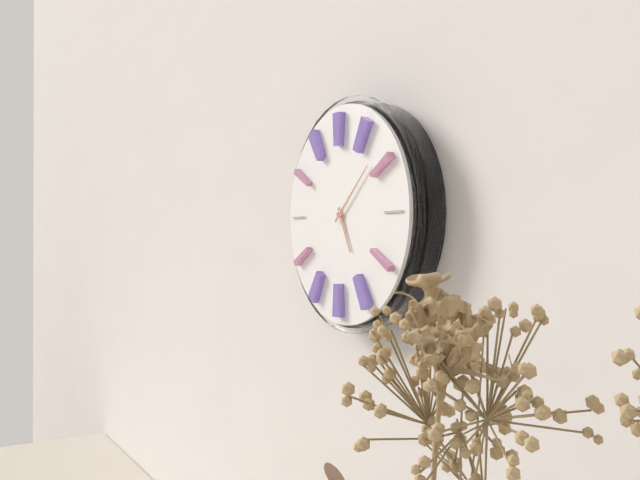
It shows 5:08
